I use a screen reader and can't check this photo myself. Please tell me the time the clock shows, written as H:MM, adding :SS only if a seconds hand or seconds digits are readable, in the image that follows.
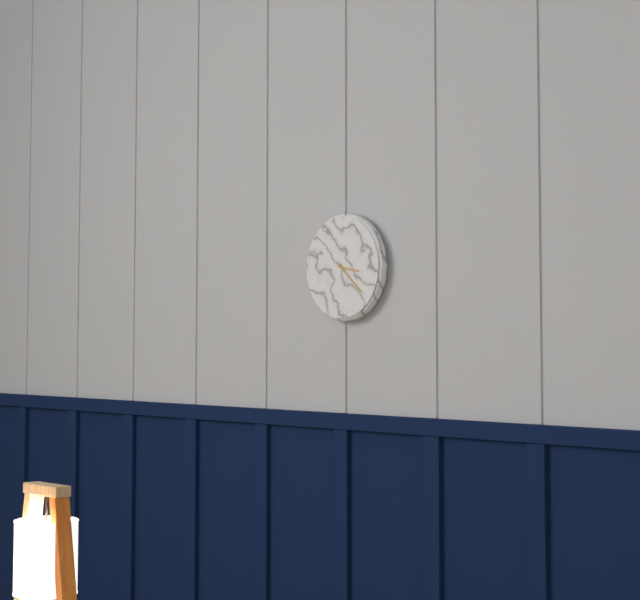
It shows 3:22
